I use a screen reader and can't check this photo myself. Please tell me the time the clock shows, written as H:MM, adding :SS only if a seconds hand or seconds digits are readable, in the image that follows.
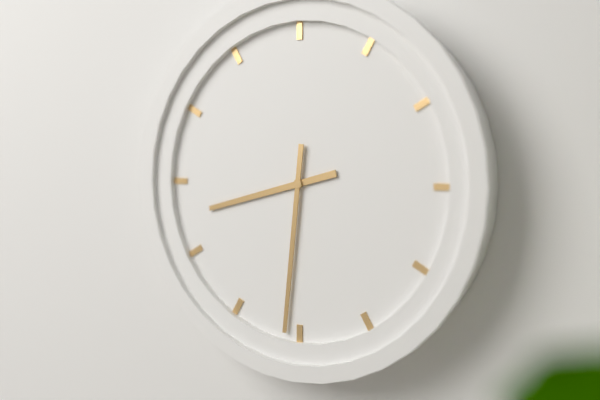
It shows 8:31
